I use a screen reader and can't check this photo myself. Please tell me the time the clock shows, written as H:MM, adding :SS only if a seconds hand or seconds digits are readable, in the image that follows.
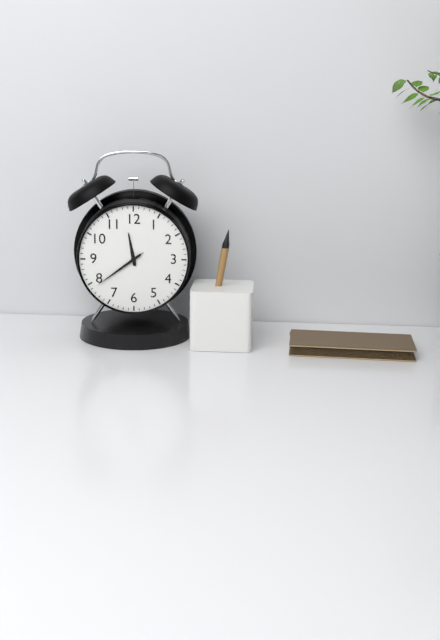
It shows 11:39:39
